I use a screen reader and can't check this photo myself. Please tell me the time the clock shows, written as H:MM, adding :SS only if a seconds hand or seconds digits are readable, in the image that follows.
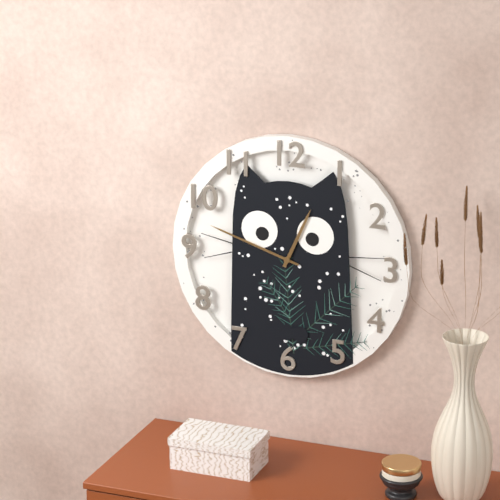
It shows 12:48
